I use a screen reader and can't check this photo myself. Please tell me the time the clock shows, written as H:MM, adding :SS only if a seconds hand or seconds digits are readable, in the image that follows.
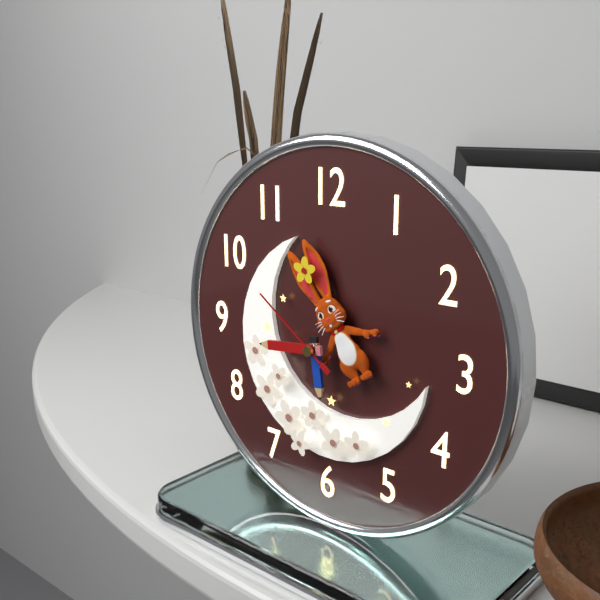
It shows 5:44:51
